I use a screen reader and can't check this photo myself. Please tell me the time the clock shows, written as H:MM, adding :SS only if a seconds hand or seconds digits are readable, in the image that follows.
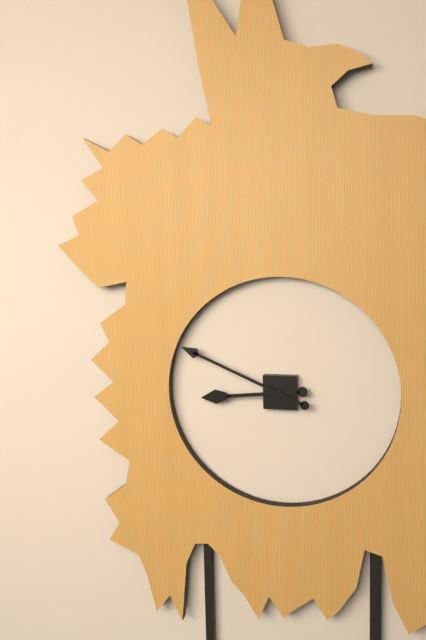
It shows 8:49
